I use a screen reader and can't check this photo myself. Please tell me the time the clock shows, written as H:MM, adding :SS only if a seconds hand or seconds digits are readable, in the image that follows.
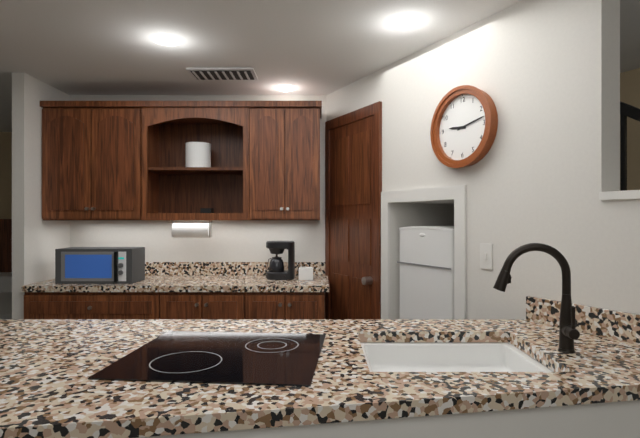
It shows 9:13
